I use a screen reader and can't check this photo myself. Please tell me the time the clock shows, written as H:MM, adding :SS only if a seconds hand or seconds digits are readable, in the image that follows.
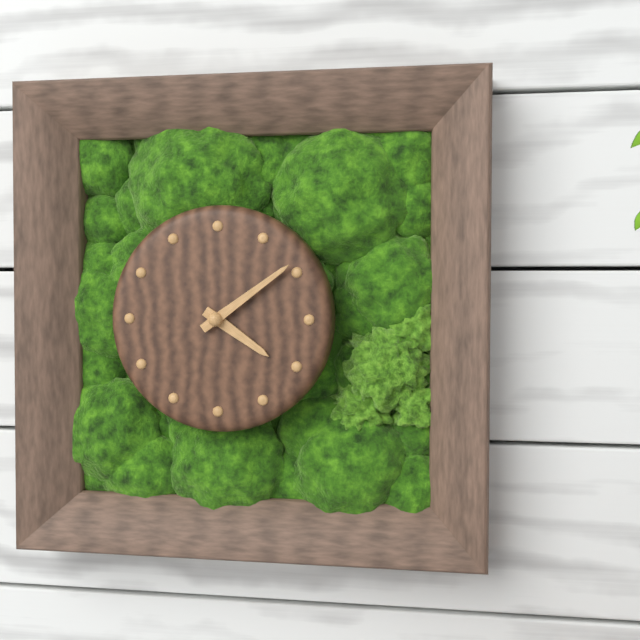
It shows 4:09
